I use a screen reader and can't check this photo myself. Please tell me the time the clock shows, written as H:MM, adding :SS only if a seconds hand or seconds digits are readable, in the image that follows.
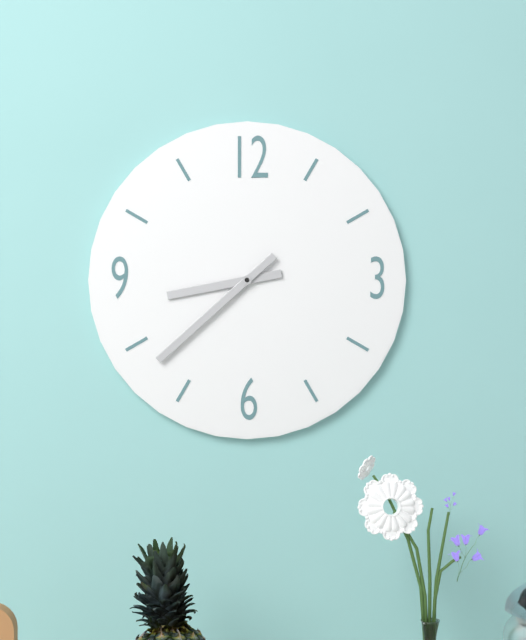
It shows 8:38
